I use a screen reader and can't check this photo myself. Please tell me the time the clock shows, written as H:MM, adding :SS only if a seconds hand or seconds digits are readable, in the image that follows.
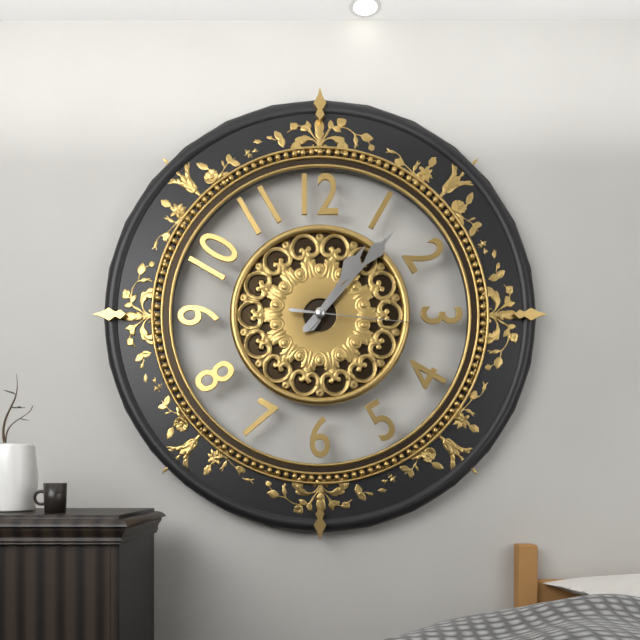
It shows 1:07:16
